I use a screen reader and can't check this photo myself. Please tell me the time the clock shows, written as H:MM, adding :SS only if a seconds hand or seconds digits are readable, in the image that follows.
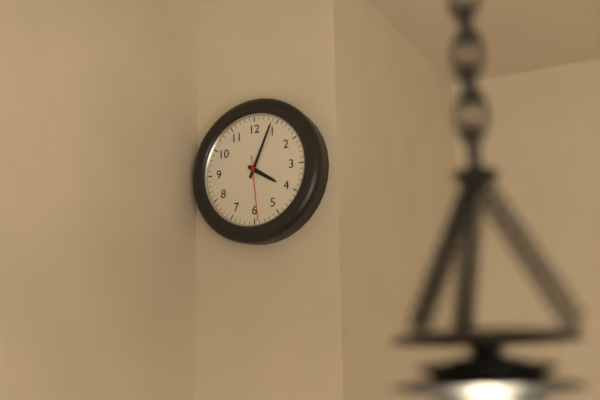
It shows 4:04:29
